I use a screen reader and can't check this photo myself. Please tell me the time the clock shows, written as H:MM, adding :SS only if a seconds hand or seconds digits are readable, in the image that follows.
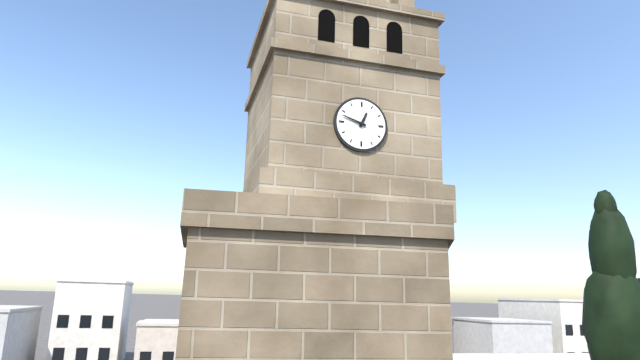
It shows 12:48
